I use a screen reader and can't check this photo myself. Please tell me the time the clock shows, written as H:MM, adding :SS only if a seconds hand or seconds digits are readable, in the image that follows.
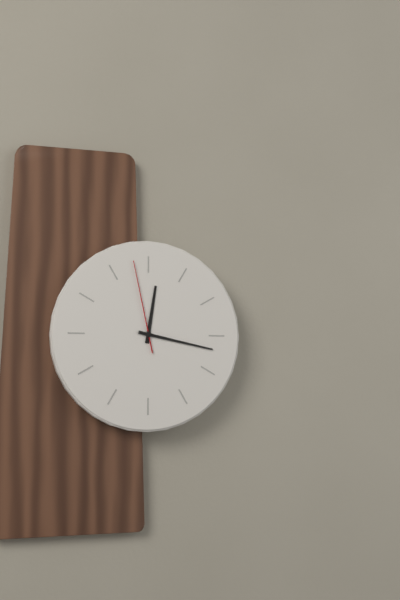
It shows 12:17:58
